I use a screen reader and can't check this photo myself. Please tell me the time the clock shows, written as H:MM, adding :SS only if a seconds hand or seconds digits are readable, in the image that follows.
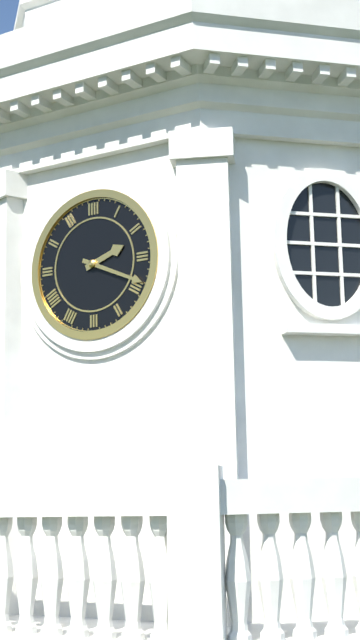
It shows 2:19
